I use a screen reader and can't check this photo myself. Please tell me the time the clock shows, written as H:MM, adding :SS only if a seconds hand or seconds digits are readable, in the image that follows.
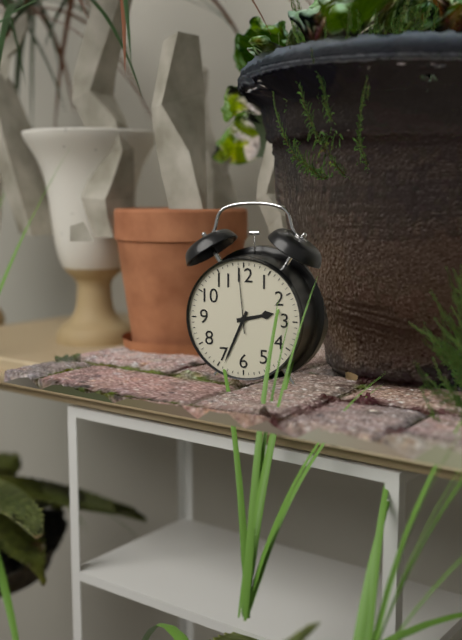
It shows 2:34:59
